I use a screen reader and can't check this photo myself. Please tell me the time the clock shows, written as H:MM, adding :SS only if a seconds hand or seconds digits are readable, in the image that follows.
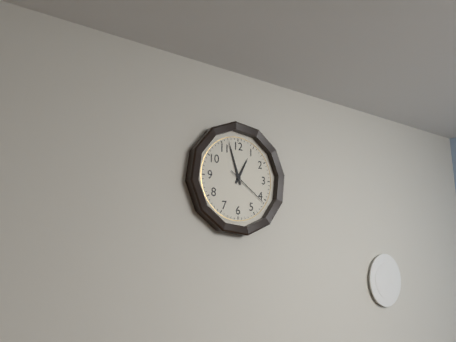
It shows 12:57
